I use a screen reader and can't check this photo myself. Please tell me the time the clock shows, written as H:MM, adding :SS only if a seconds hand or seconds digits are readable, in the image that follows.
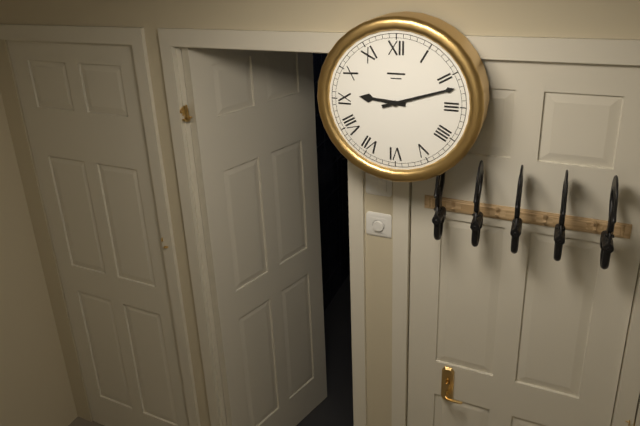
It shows 9:12
